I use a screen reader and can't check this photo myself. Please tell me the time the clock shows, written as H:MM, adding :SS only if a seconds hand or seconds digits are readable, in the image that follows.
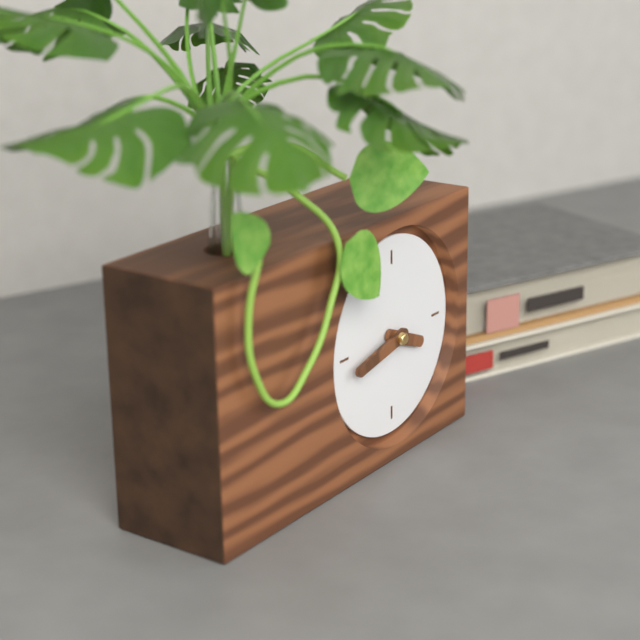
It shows 3:43
